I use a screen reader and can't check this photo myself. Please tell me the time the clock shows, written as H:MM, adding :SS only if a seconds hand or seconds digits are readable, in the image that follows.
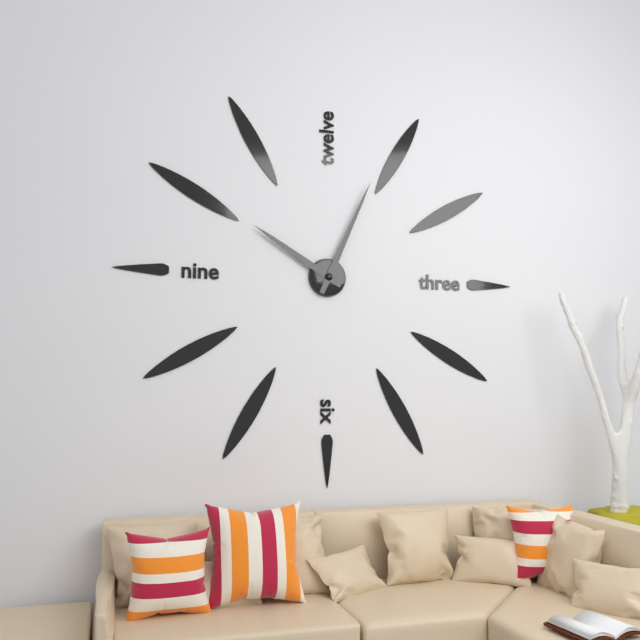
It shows 10:04
